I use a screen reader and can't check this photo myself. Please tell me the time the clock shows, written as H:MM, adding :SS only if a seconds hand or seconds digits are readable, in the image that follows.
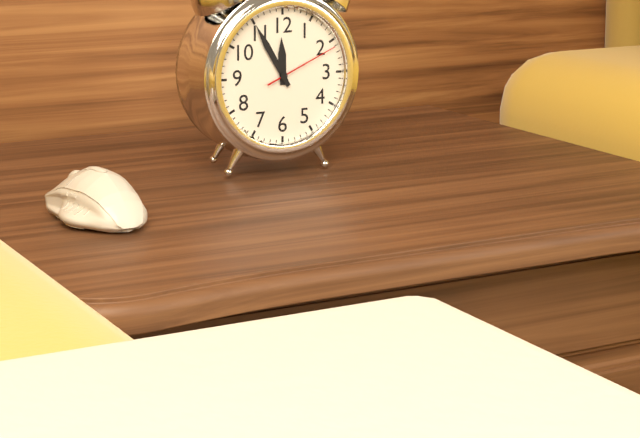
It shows 11:55:11
